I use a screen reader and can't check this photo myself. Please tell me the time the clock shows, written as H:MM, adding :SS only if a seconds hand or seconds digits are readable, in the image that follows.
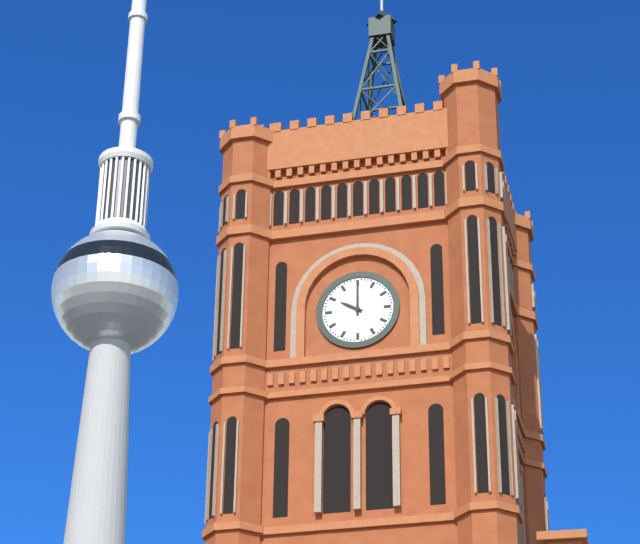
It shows 10:00
